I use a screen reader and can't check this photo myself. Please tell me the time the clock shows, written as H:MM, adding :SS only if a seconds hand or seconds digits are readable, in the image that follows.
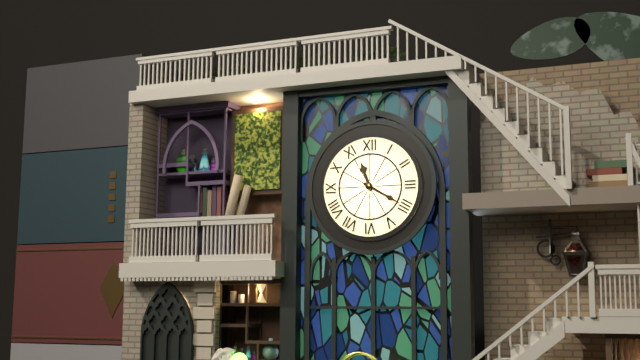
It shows 11:20
